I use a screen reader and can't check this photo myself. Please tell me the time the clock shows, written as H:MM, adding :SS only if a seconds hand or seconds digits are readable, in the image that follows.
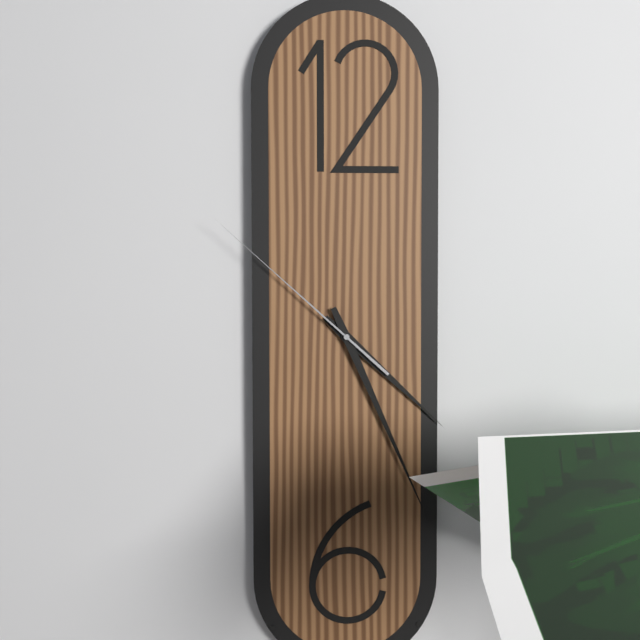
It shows 4:26:52
